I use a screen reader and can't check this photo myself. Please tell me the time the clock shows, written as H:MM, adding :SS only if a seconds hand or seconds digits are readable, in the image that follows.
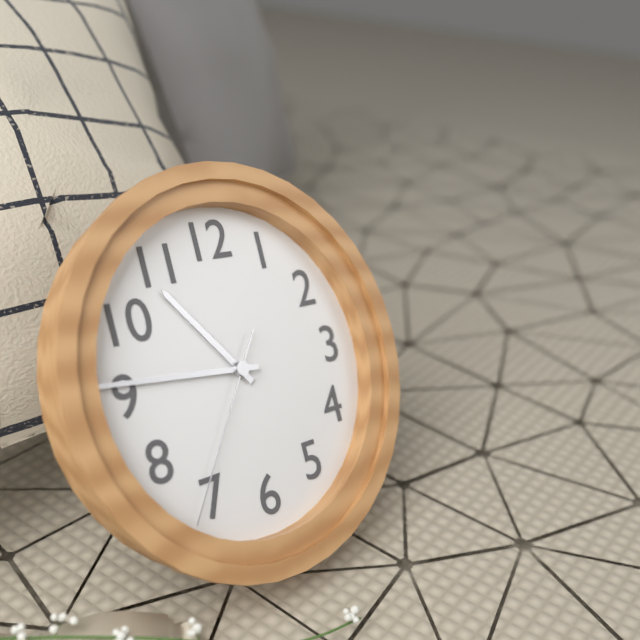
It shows 10:46:36
